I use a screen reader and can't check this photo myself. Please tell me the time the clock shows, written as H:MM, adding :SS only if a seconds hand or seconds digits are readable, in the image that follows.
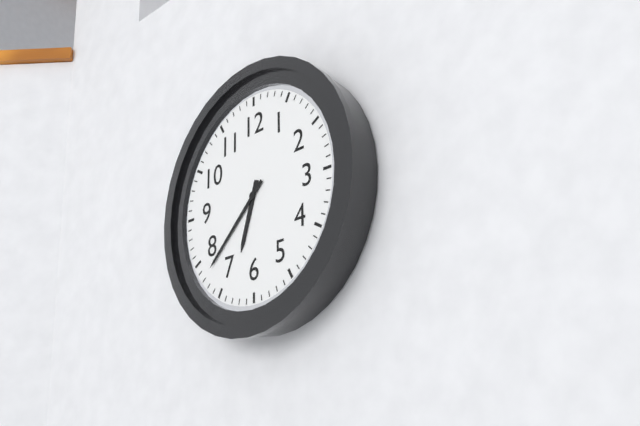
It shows 6:38
